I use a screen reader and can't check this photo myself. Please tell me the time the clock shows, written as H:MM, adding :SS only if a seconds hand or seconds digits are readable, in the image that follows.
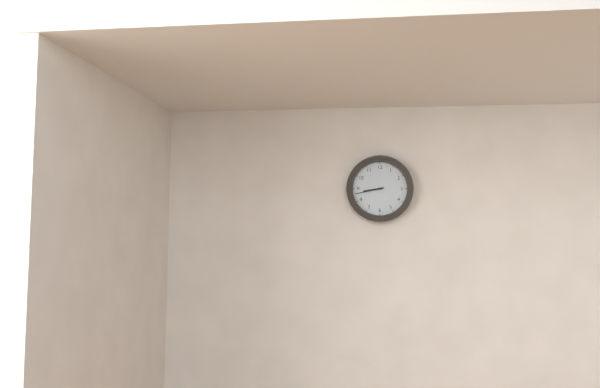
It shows 8:43
